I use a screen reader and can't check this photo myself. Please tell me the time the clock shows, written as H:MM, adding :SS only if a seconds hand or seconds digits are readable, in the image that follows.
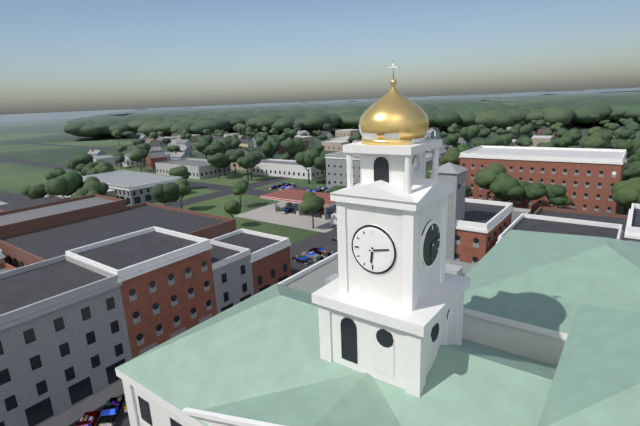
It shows 6:13
